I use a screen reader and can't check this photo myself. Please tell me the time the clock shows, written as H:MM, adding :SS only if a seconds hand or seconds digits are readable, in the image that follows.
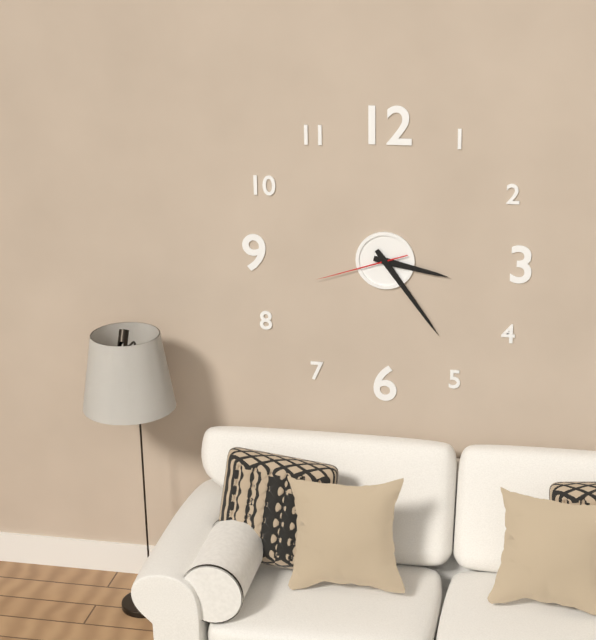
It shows 3:24:42
